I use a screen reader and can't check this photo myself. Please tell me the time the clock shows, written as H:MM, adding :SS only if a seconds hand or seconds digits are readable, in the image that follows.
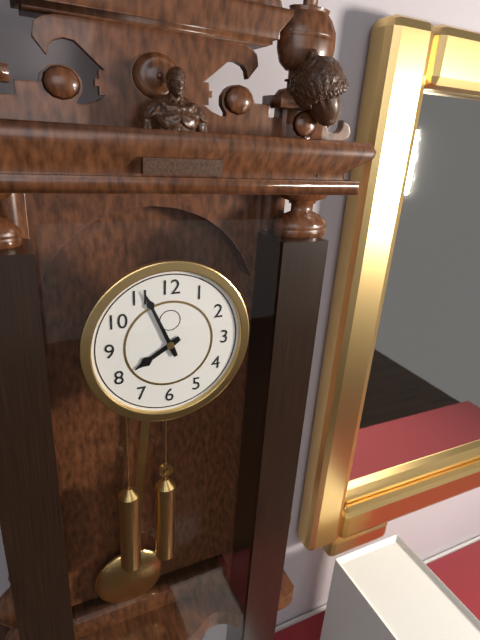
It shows 7:56
